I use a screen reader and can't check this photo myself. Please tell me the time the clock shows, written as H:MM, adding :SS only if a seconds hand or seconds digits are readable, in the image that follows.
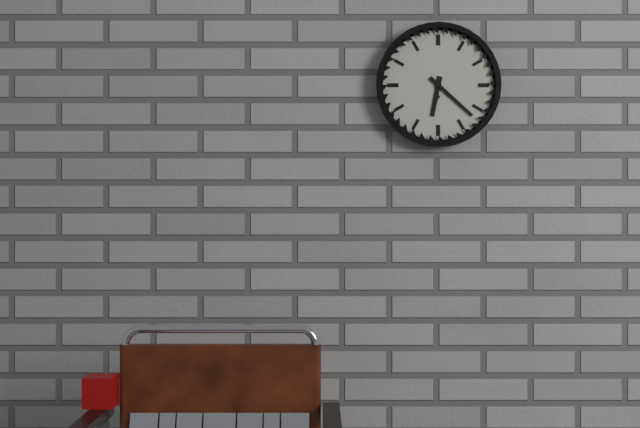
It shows 6:22
